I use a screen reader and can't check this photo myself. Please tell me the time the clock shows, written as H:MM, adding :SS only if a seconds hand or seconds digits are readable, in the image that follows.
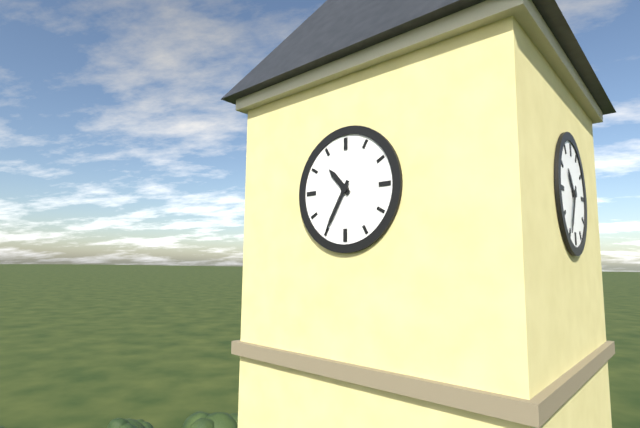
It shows 10:35
